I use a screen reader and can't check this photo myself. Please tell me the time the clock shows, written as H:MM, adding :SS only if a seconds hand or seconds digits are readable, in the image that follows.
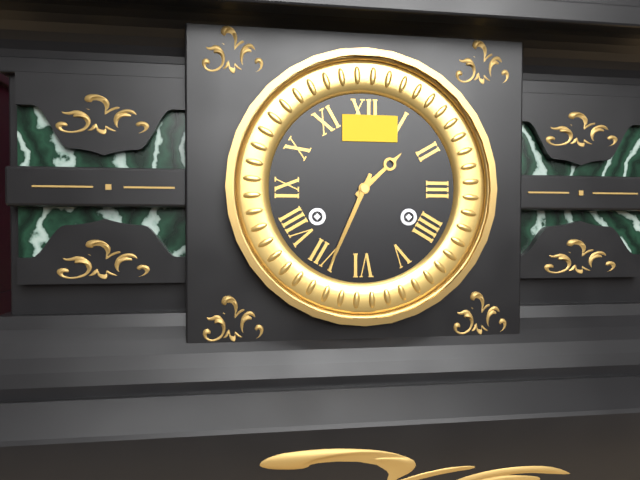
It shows 1:34
